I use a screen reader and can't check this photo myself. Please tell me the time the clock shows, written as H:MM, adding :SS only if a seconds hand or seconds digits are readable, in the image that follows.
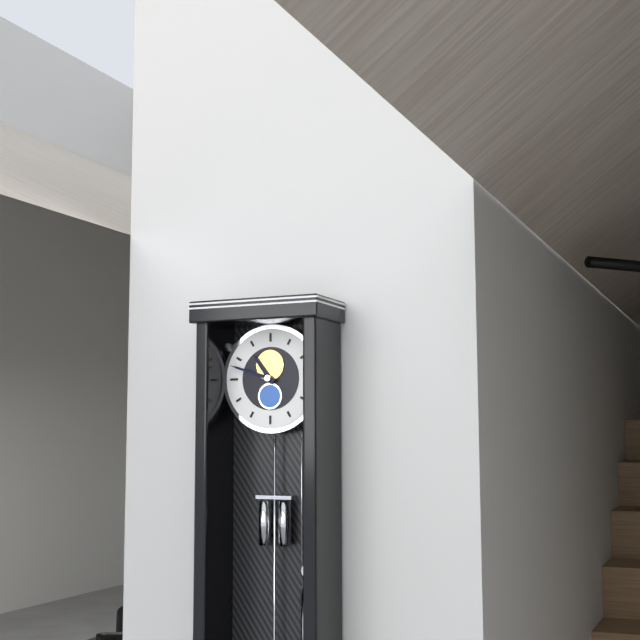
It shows 10:48
